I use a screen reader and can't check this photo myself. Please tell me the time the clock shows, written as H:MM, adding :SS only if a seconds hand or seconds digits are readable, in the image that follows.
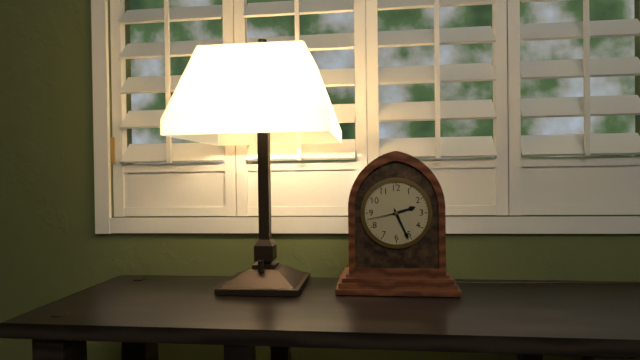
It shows 2:26
